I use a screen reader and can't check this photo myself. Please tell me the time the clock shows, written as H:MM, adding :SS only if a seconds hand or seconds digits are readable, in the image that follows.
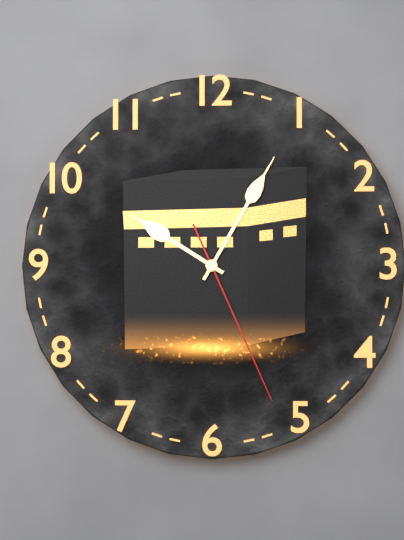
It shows 10:05:26
